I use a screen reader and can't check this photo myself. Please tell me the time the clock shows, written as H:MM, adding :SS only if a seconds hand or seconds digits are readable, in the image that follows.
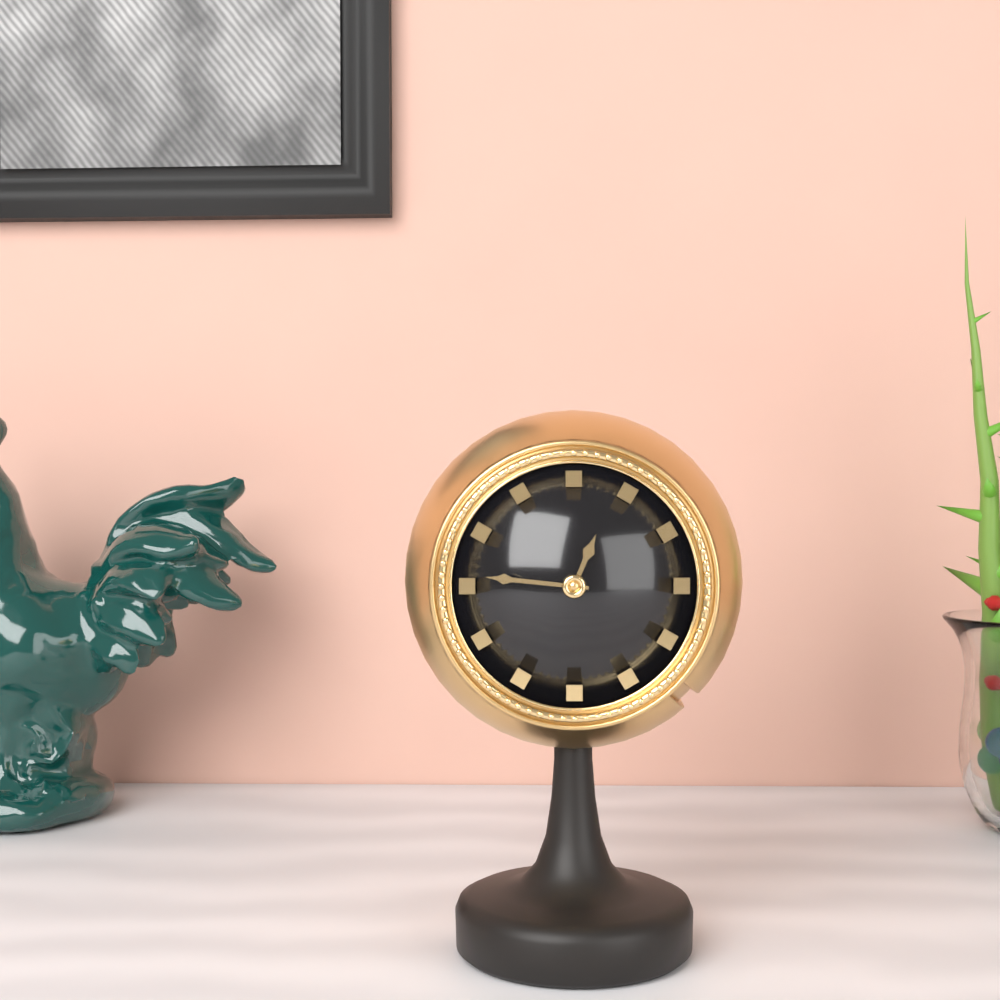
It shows 12:46
